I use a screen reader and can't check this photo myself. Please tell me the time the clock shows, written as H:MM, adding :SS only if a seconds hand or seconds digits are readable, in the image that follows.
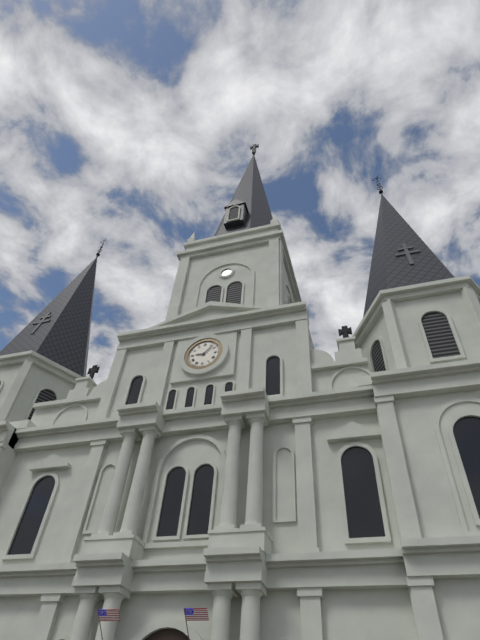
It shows 9:07
